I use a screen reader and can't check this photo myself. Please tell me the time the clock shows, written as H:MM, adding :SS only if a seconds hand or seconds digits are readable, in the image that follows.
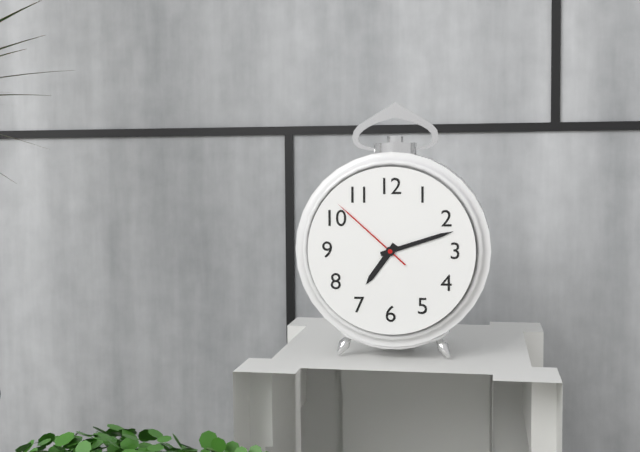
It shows 7:12:52
